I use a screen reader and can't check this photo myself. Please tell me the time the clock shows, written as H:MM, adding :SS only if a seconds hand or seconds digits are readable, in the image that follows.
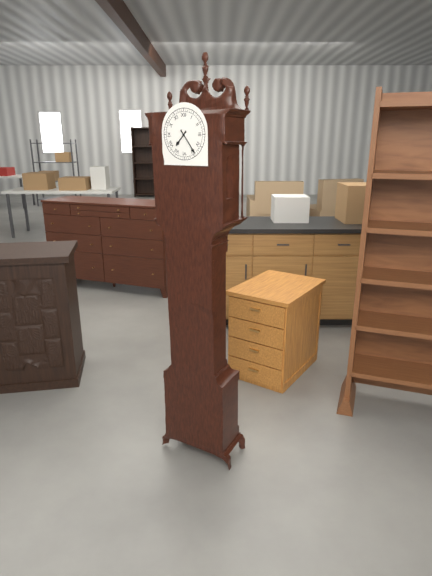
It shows 7:24
